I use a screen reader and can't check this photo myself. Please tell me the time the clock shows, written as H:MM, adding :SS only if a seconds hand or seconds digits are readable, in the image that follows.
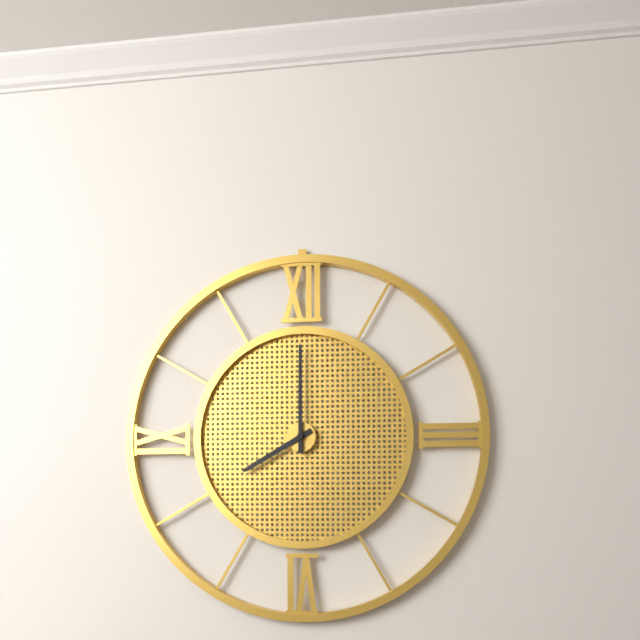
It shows 8:00
